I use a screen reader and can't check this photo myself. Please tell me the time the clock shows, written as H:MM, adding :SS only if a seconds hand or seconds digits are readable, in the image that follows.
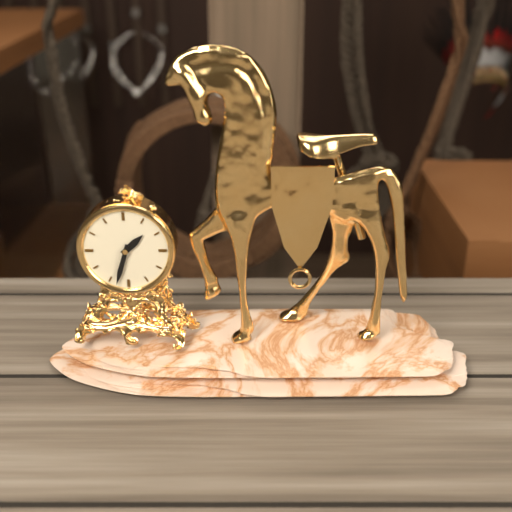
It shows 1:33
